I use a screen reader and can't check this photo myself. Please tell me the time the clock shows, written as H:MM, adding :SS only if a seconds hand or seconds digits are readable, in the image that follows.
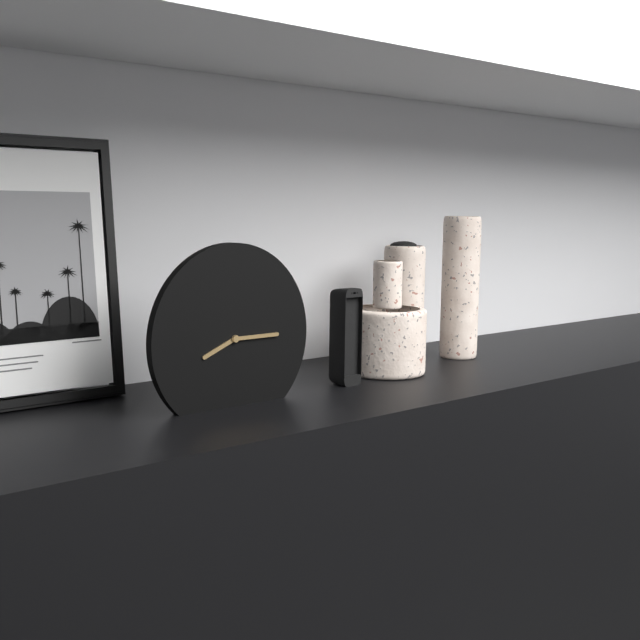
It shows 8:15
